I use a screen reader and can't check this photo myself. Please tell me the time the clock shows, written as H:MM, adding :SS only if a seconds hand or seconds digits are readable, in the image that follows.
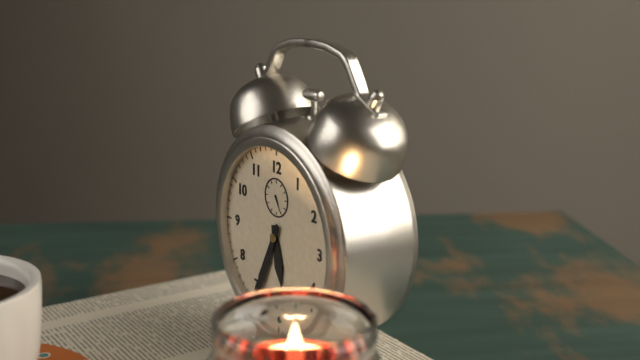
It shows 5:34
